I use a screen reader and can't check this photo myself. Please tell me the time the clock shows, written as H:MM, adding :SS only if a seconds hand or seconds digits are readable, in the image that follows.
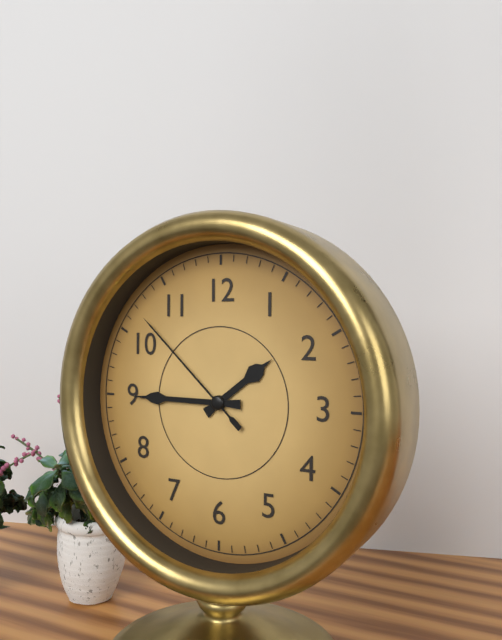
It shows 1:45:52
